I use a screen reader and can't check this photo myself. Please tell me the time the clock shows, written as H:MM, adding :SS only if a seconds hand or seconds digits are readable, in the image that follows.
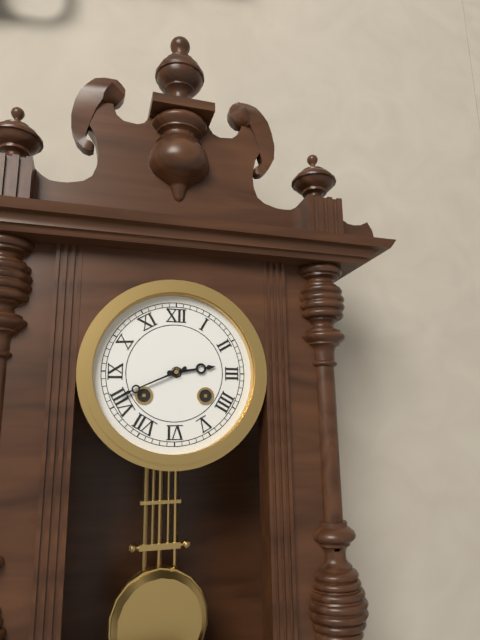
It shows 2:41
